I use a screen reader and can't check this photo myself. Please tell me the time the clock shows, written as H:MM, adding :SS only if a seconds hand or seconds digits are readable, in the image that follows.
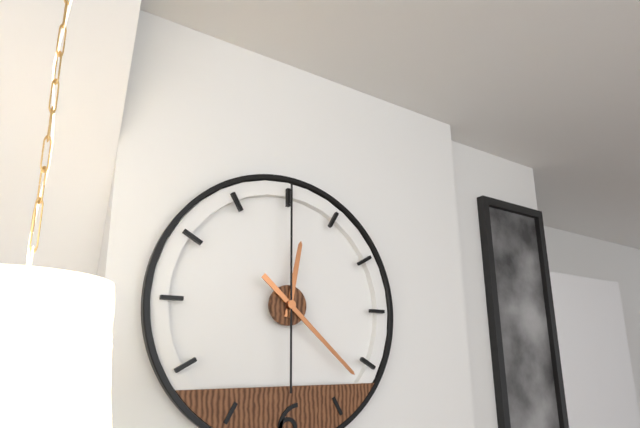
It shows 12:22:00
